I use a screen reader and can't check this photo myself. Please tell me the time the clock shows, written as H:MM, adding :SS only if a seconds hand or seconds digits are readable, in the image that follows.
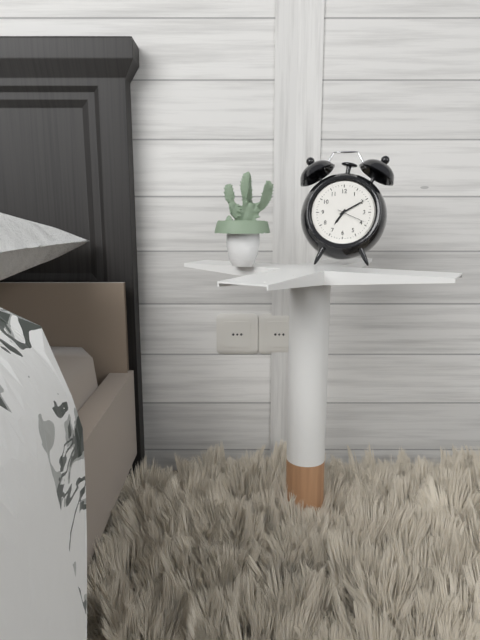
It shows 7:10
